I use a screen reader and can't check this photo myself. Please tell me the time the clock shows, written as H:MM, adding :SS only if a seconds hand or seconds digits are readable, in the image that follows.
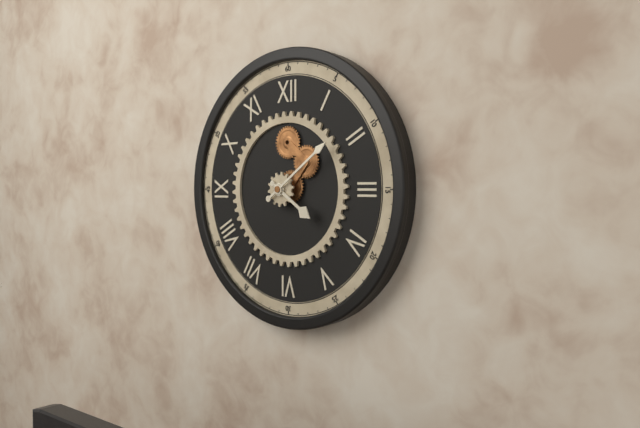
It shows 4:09
